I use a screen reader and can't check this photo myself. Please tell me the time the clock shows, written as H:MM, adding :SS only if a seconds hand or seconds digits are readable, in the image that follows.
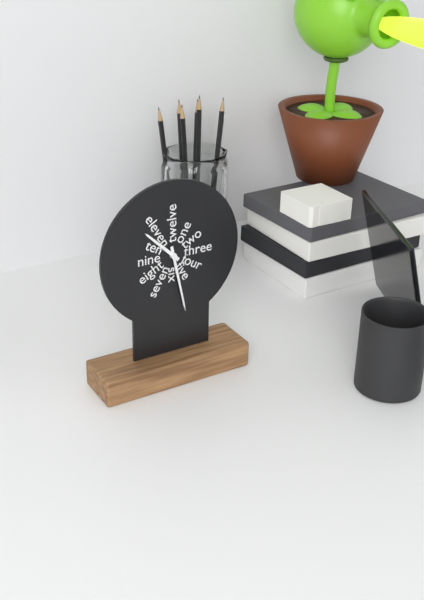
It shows 10:28
